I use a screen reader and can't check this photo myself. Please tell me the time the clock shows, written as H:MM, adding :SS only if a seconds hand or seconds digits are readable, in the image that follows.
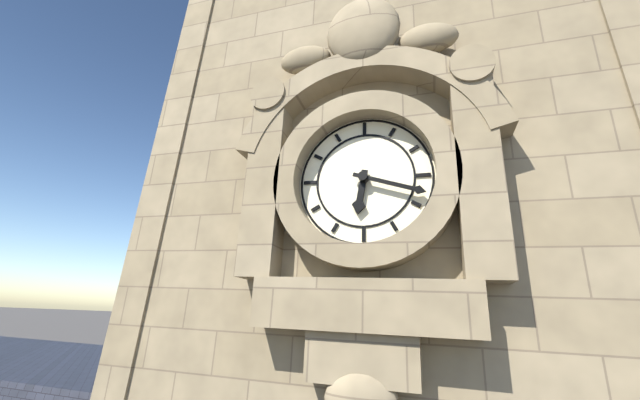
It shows 6:18
